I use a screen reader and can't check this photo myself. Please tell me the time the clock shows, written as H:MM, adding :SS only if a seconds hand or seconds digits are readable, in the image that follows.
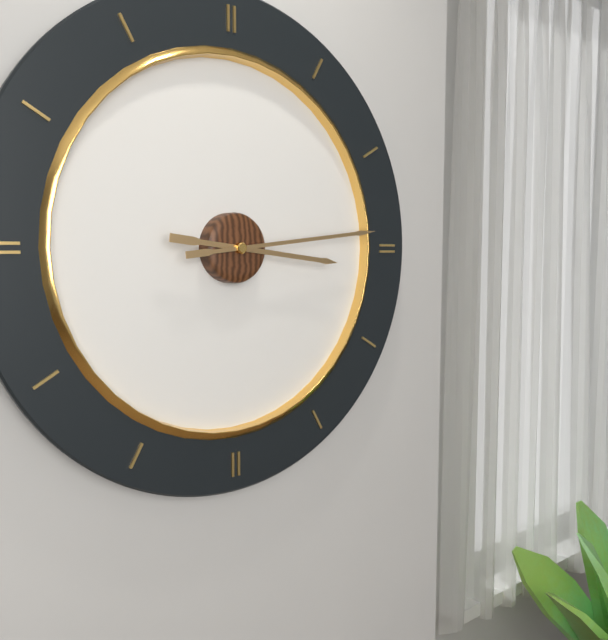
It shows 3:14
